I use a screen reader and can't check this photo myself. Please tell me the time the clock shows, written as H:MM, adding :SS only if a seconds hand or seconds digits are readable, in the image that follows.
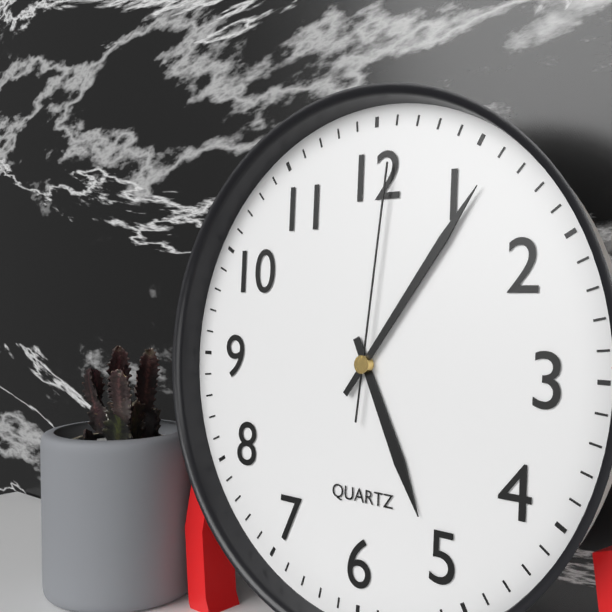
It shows 5:06:01
